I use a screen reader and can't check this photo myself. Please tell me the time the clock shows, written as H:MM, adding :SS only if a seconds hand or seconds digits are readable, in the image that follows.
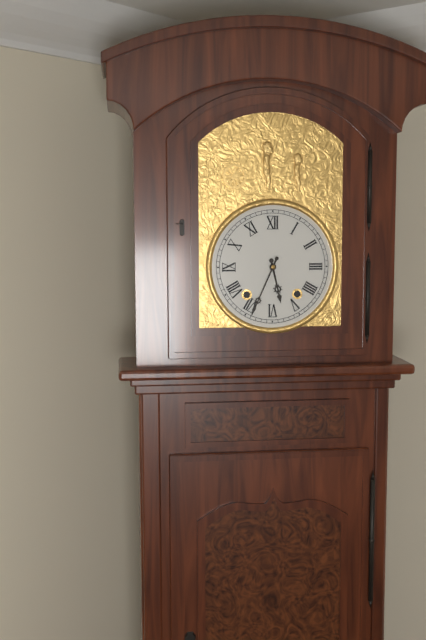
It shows 5:34
